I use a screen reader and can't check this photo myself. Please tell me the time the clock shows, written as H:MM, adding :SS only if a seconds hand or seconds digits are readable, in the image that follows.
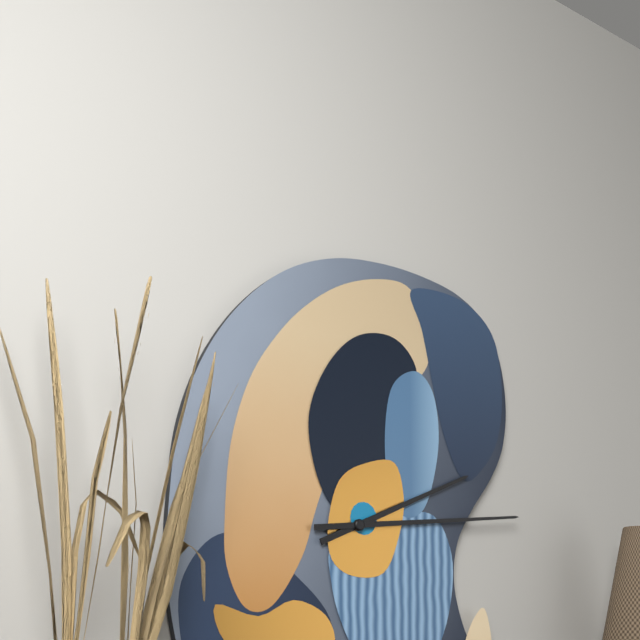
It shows 2:14
